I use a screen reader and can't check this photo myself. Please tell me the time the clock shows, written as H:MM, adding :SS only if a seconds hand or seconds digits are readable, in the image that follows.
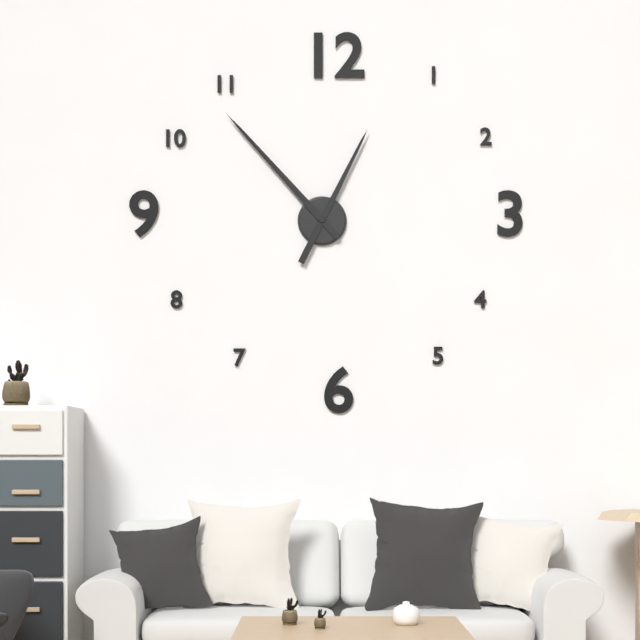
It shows 12:53
